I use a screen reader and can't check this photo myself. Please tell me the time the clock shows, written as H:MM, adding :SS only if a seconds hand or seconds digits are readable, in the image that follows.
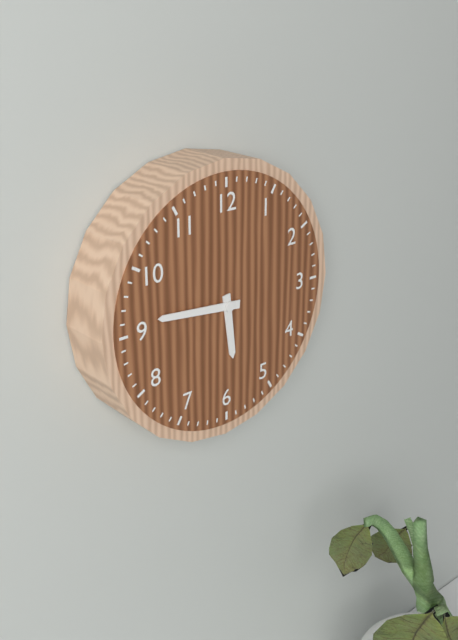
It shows 5:46
